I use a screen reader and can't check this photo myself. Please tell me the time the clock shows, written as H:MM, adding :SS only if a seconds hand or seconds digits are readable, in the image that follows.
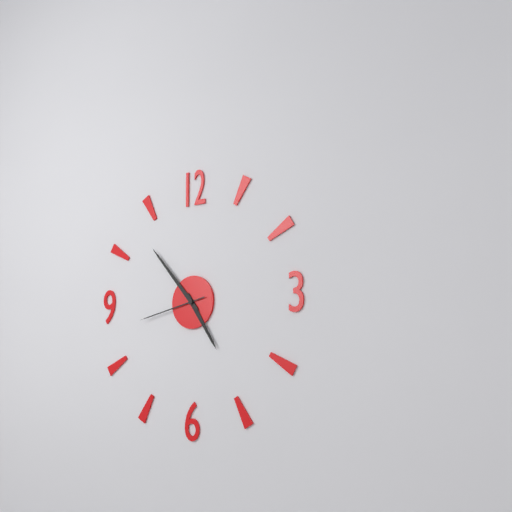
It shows 4:53:43
